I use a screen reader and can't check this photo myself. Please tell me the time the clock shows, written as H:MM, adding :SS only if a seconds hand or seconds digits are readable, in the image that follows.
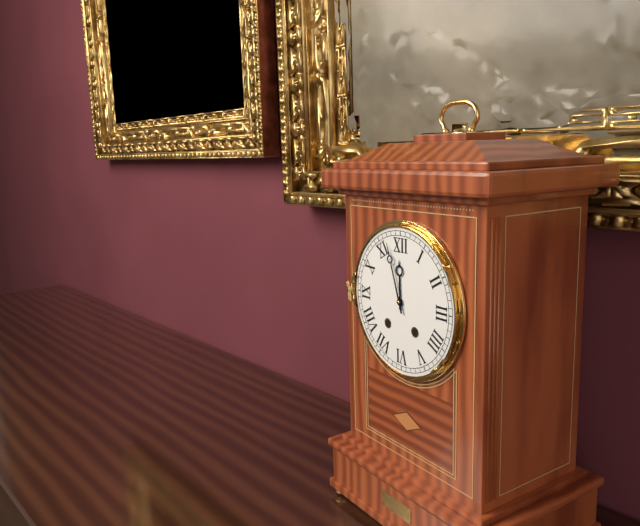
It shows 11:57
